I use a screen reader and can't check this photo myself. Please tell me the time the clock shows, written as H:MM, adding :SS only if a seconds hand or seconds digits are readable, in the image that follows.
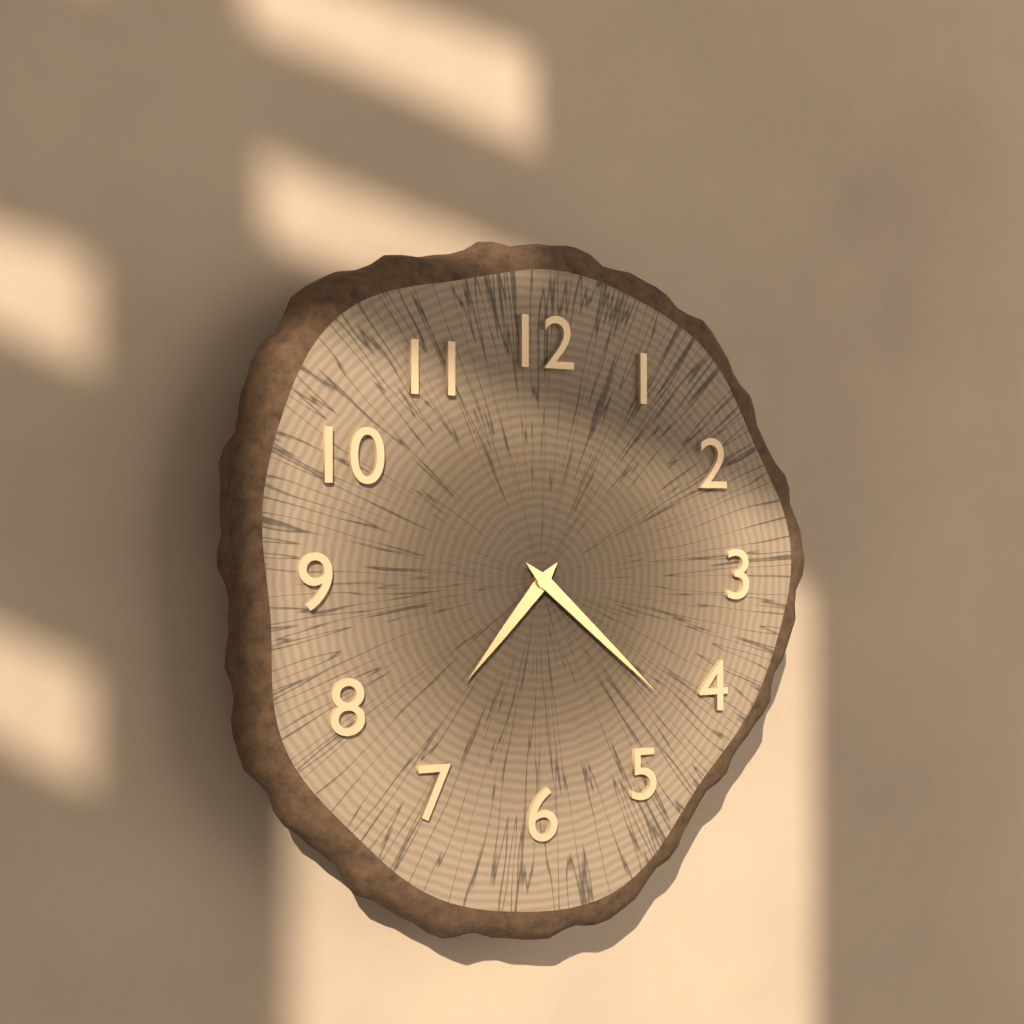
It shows 7:22
